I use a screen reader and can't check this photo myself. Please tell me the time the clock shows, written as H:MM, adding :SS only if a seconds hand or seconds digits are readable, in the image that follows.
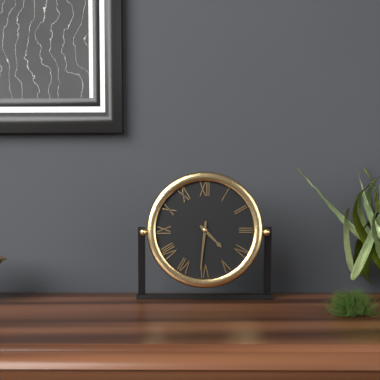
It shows 4:31
